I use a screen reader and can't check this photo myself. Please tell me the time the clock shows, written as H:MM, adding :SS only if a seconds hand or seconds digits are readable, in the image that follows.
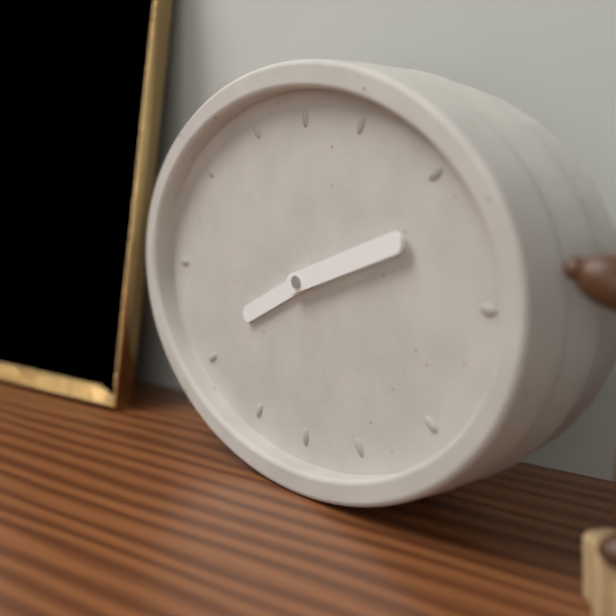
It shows 8:12
